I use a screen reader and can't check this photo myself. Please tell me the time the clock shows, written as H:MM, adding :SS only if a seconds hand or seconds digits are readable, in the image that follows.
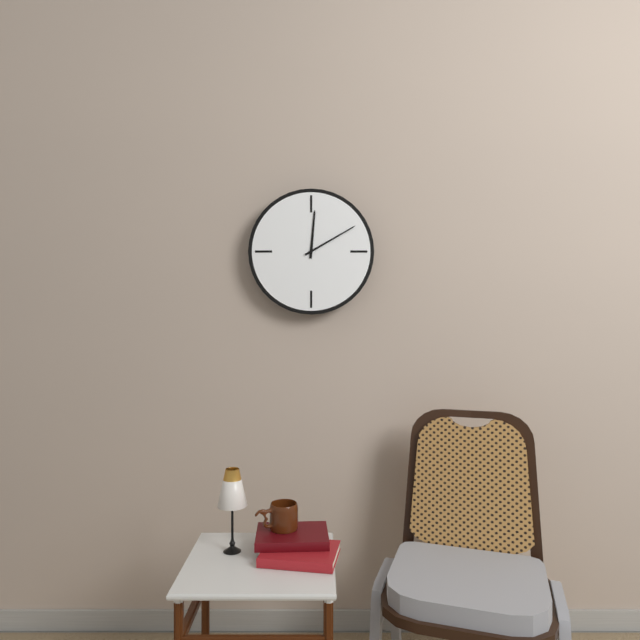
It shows 12:10
